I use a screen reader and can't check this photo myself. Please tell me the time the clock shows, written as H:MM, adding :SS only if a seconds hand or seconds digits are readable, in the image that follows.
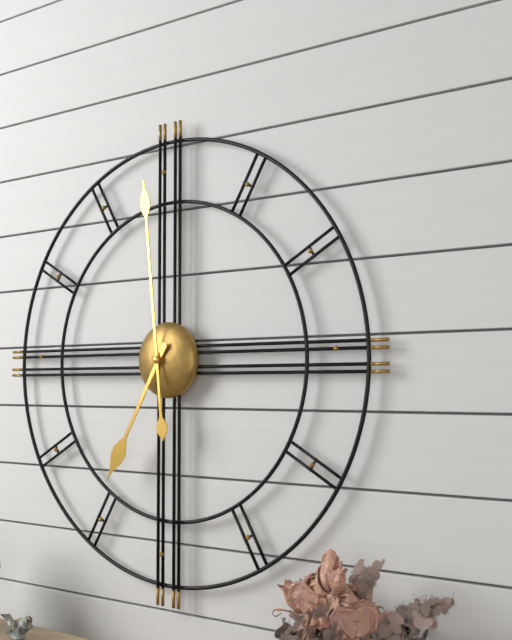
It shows 6:59
